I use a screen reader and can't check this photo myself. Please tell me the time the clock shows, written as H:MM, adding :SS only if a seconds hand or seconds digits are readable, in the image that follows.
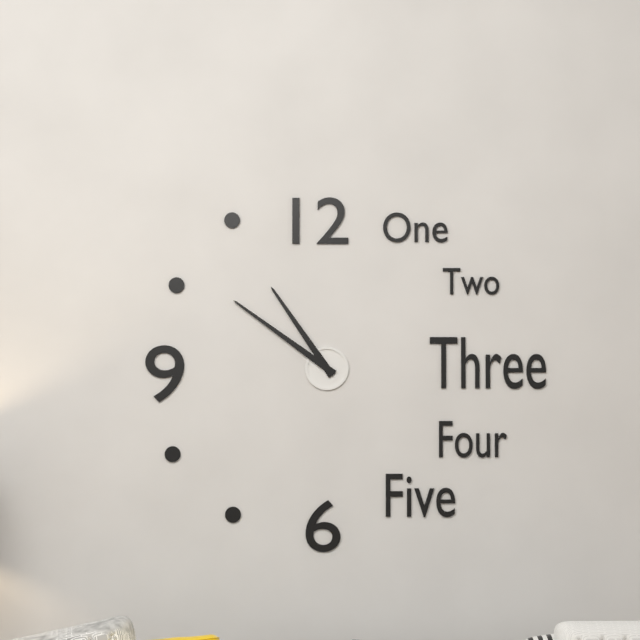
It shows 10:51
